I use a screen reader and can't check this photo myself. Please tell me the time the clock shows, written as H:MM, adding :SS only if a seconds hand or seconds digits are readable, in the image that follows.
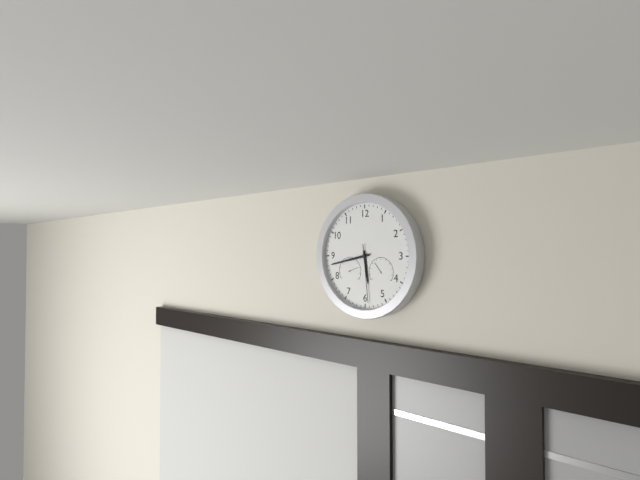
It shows 5:43:29
